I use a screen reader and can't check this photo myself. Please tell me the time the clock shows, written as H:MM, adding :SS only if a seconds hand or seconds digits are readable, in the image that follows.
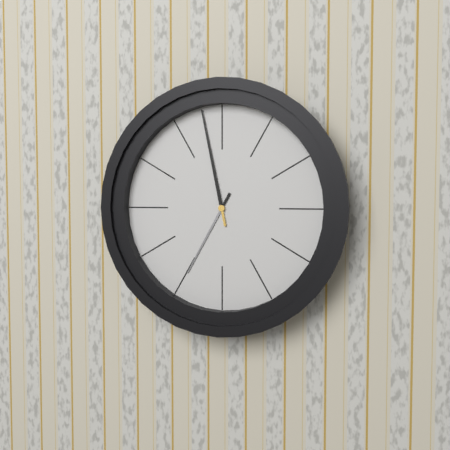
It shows 6:58
